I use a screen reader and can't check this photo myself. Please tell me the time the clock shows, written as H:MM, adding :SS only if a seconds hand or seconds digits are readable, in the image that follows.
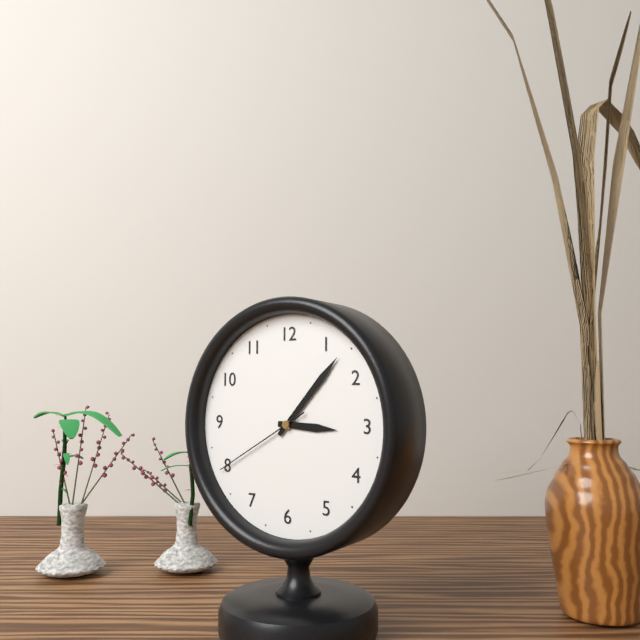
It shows 3:07:40
